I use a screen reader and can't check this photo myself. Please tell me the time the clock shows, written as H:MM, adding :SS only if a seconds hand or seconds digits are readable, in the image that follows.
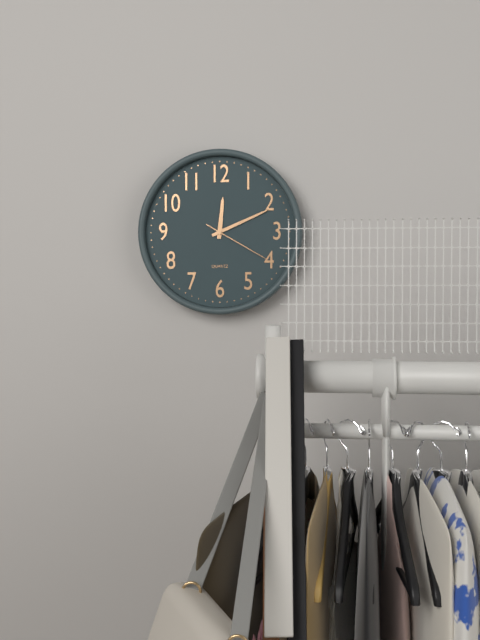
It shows 12:11:20
